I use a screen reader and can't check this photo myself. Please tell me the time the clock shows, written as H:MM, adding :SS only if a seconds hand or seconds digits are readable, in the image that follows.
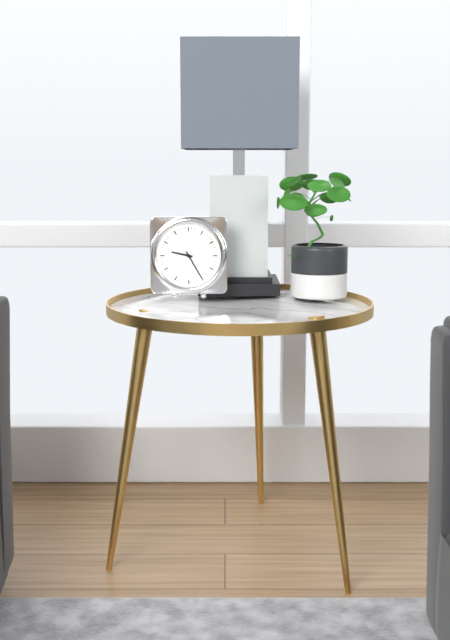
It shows 9:25
